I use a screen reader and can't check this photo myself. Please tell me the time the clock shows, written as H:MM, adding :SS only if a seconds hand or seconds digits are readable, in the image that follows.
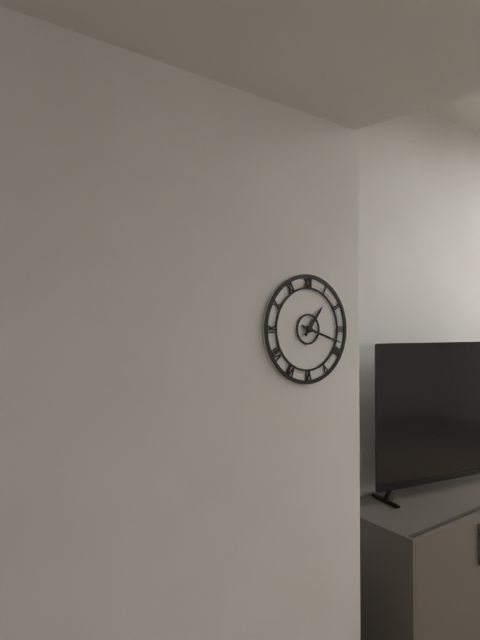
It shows 1:18
